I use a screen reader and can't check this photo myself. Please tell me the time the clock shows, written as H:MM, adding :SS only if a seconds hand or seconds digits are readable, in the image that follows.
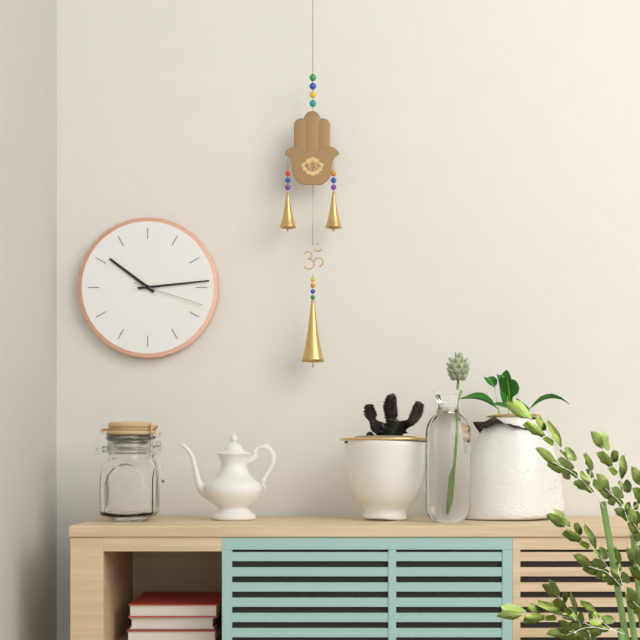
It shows 10:14:18
